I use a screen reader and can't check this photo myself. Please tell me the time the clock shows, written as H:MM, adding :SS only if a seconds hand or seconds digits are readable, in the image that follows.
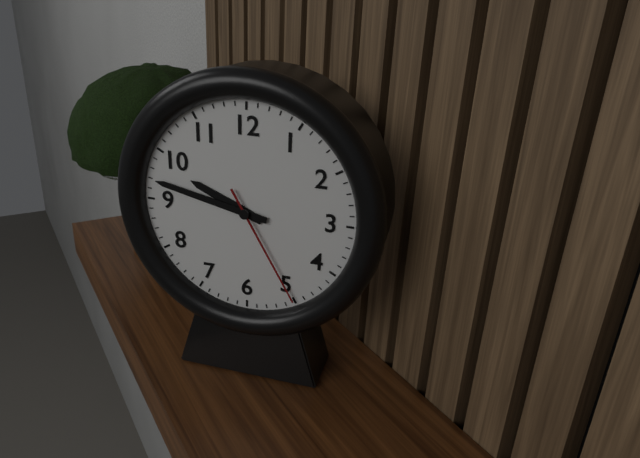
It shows 9:47:25
